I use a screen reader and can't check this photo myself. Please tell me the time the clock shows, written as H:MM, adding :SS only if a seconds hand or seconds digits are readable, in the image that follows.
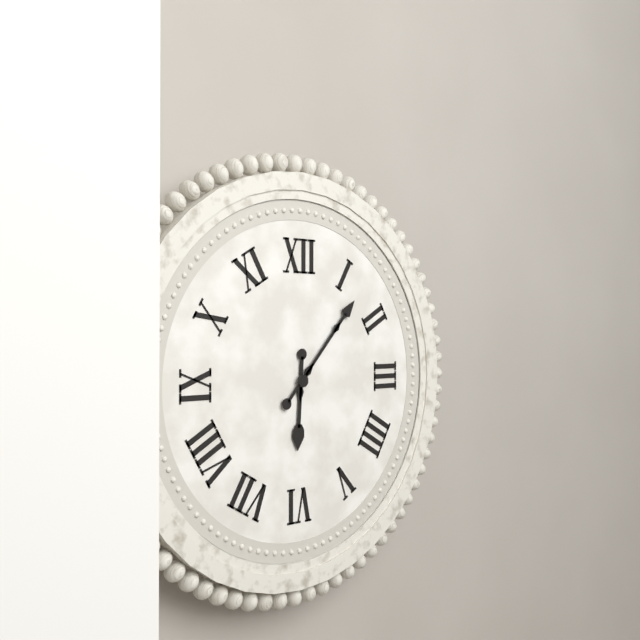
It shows 6:07
